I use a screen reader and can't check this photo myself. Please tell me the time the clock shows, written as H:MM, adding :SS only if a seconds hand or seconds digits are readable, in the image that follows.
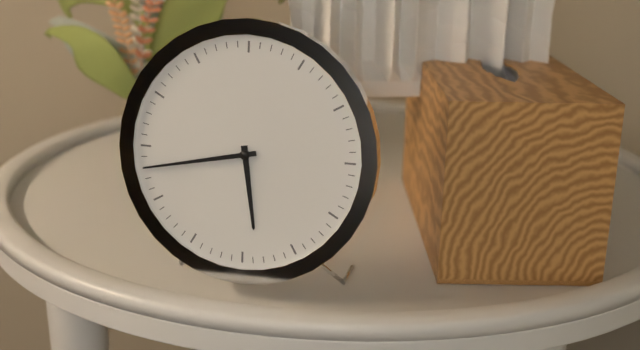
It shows 5:43
